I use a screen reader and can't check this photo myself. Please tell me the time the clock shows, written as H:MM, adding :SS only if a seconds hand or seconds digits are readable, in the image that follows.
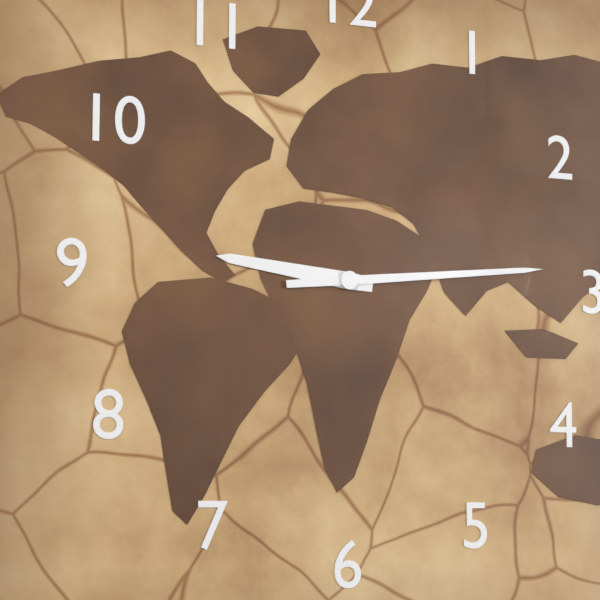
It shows 9:14
